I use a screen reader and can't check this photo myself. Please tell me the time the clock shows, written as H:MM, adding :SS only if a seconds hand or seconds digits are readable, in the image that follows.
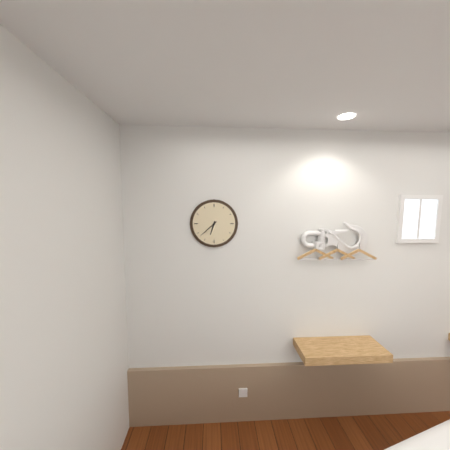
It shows 6:38
